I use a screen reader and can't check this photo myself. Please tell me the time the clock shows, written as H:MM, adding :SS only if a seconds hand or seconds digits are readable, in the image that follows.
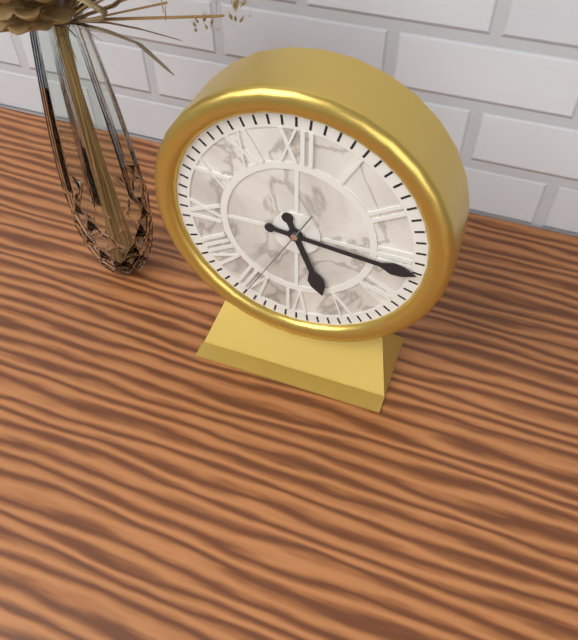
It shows 5:16:35
